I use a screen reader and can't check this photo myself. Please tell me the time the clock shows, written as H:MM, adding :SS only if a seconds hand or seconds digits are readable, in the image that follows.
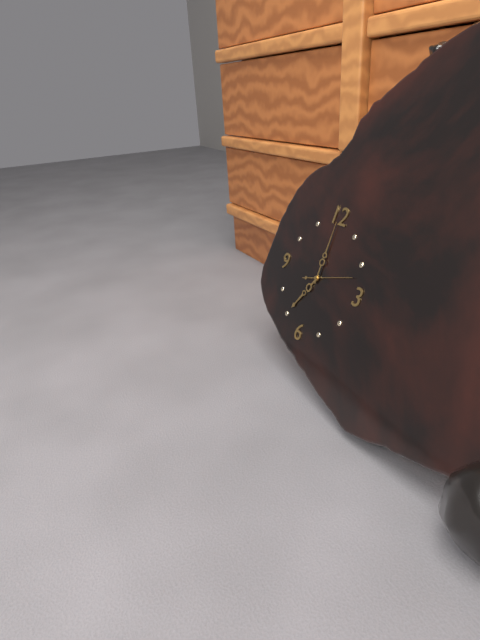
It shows 7:00
